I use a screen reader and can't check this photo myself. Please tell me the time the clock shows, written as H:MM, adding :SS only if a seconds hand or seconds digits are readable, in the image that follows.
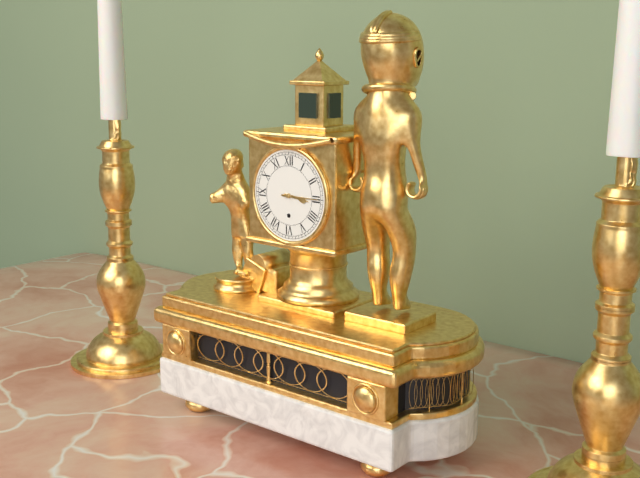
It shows 3:15
